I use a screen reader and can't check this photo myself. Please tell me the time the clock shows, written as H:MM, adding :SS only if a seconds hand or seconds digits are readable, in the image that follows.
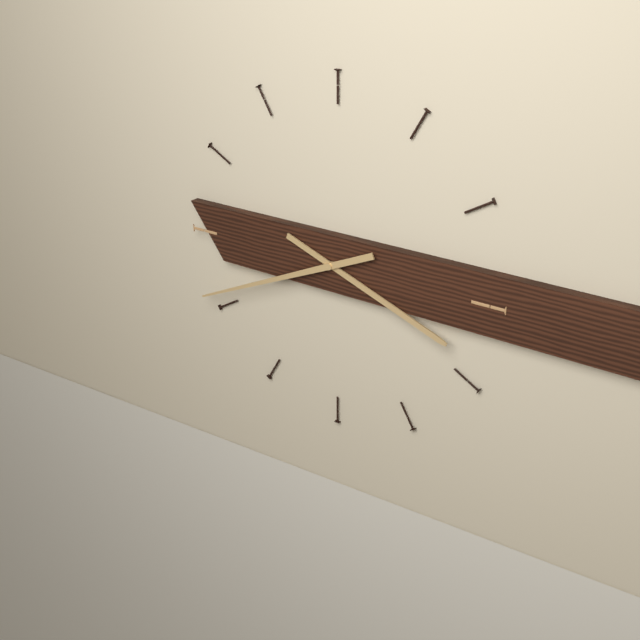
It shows 3:41
